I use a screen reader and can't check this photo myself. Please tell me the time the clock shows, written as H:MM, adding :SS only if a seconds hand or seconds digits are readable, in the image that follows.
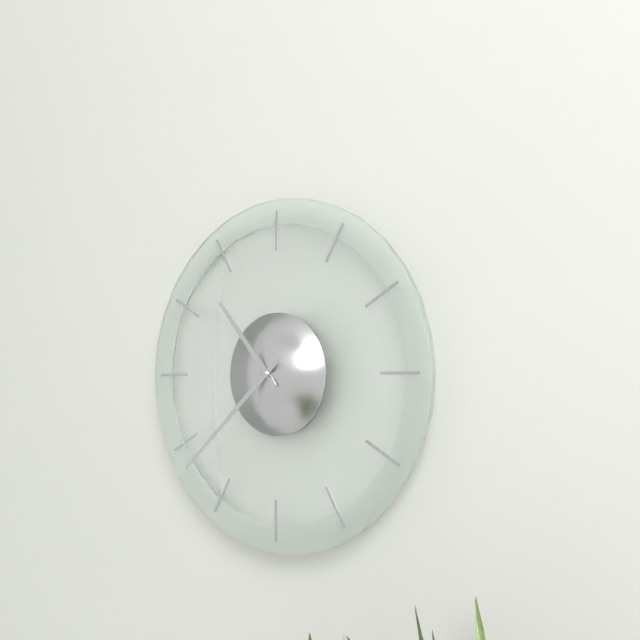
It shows 10:38
